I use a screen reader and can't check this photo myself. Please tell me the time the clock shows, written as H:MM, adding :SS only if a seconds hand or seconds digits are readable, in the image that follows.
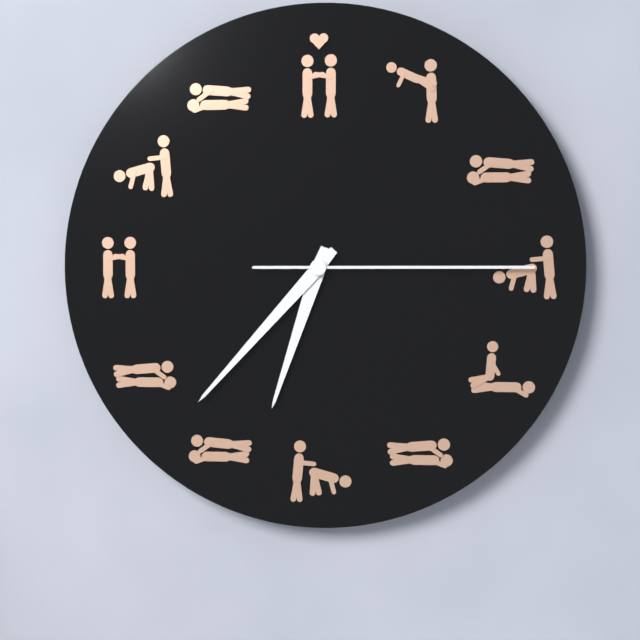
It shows 6:37:15
